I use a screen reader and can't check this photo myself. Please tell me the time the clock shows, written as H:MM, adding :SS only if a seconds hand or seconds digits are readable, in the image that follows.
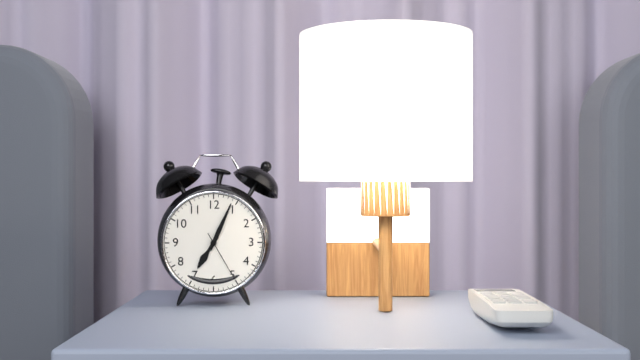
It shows 7:04:25
